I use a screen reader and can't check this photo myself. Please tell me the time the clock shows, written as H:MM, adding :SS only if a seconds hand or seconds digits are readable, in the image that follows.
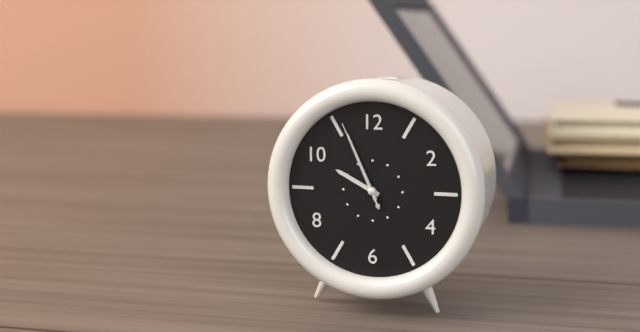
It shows 9:56:56
